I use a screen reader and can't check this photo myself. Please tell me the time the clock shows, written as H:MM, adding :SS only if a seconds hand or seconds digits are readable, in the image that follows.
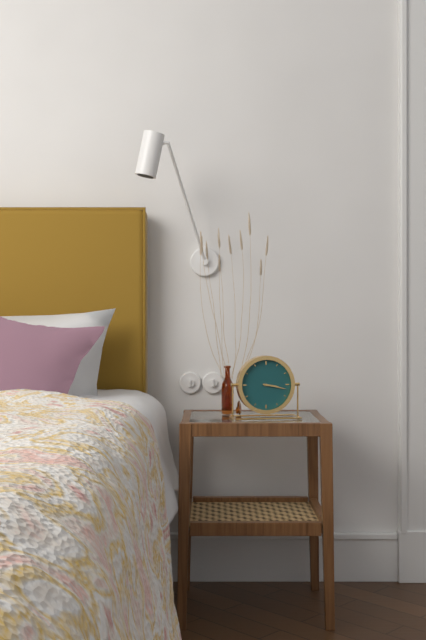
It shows 3:17
